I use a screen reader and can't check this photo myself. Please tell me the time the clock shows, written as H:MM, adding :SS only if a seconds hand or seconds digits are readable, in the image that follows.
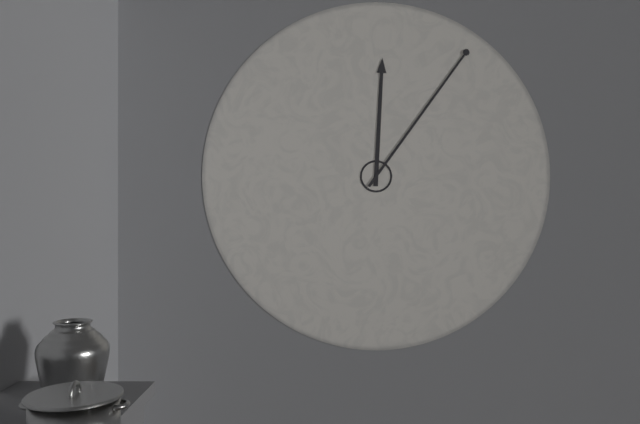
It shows 12:06
